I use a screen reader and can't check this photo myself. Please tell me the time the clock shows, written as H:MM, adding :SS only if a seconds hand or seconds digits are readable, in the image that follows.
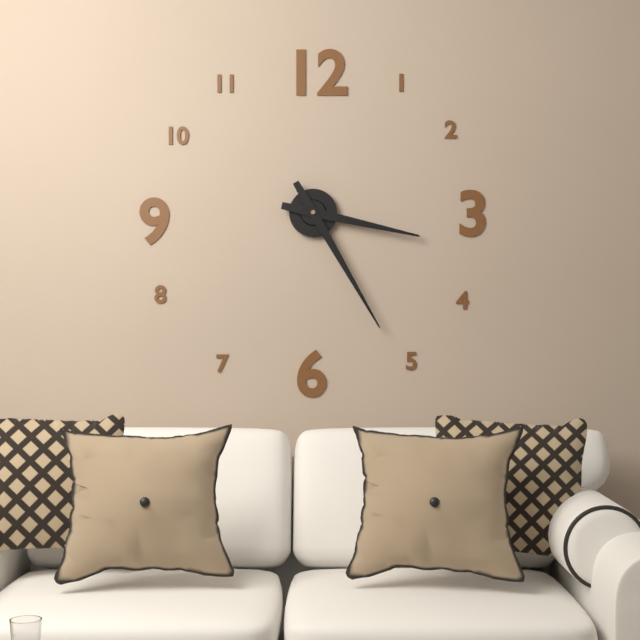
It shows 3:25
